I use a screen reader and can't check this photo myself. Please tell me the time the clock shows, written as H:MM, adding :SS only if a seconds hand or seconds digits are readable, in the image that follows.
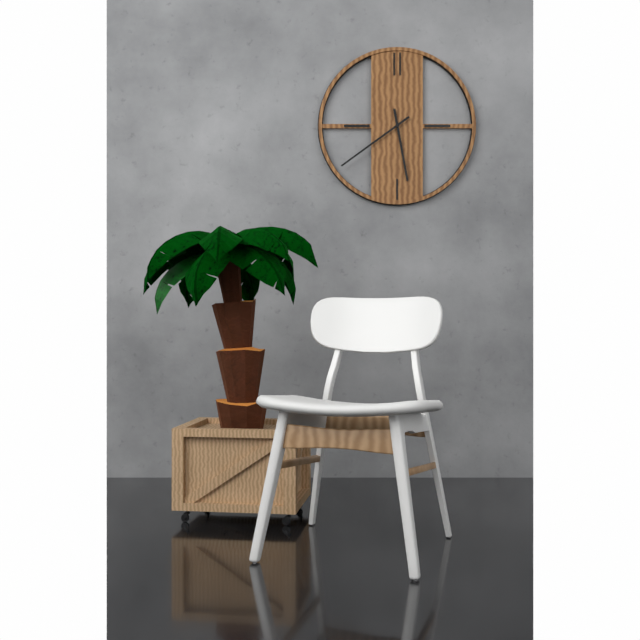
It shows 5:39
